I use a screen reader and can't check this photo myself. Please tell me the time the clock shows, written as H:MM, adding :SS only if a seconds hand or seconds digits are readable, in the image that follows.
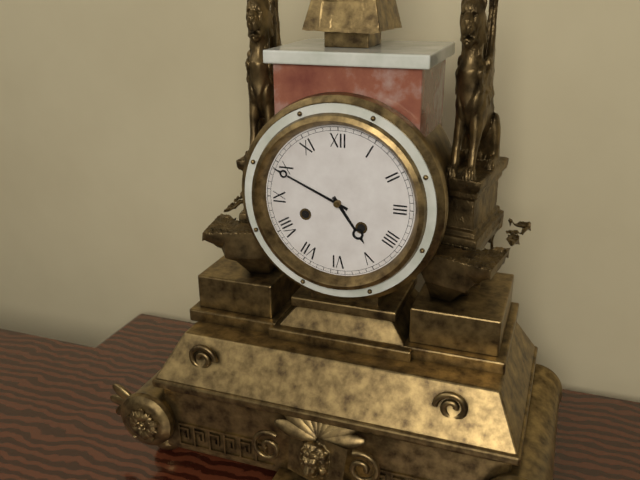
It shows 4:49
